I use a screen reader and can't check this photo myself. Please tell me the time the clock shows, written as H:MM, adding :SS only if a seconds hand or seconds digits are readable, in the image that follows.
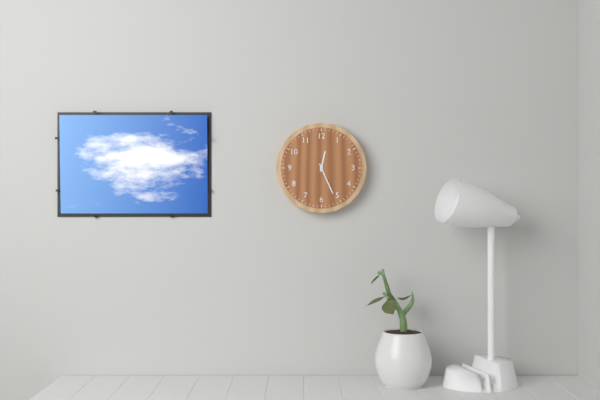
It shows 12:26
